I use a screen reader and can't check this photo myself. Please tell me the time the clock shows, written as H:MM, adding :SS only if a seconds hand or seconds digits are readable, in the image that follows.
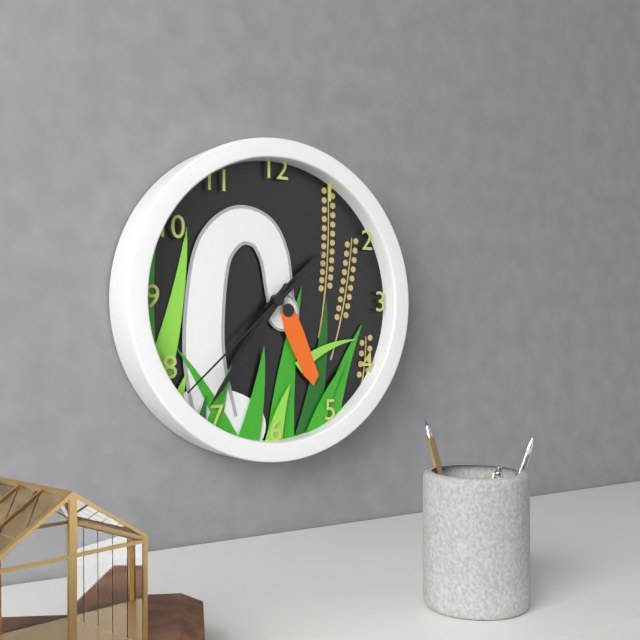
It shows 1:36:38
